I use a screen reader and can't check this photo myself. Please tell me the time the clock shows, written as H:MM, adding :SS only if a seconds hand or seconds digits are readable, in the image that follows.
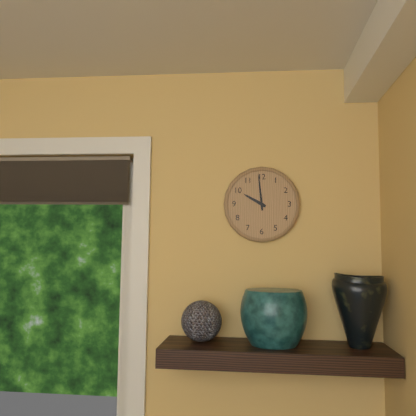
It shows 9:59
